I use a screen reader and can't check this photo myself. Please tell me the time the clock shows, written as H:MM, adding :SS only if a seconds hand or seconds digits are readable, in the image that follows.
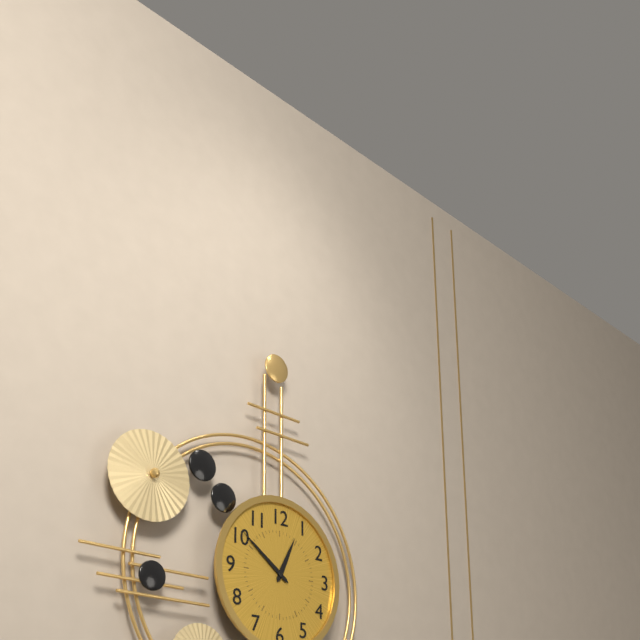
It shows 12:51
